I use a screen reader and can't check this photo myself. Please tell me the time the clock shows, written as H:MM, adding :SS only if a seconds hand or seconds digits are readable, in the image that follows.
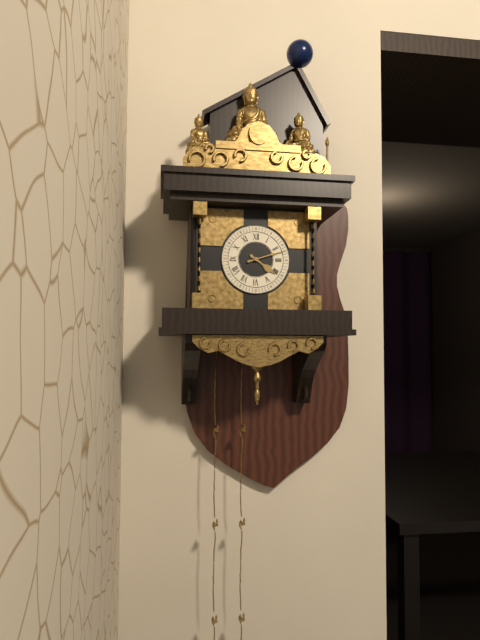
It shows 4:12
